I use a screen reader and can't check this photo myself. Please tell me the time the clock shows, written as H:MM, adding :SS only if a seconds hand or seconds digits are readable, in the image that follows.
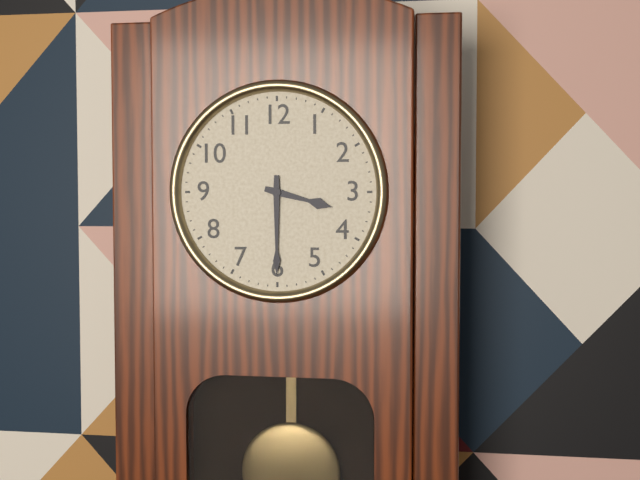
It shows 3:30
